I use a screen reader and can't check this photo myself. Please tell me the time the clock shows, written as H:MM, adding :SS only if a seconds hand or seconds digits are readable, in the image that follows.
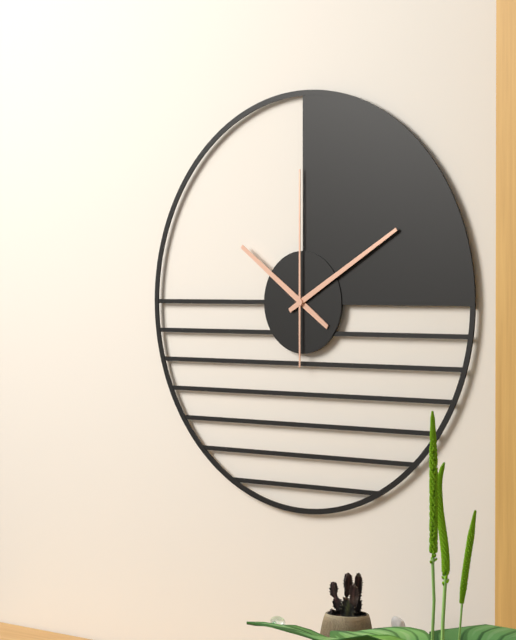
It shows 10:10:00
